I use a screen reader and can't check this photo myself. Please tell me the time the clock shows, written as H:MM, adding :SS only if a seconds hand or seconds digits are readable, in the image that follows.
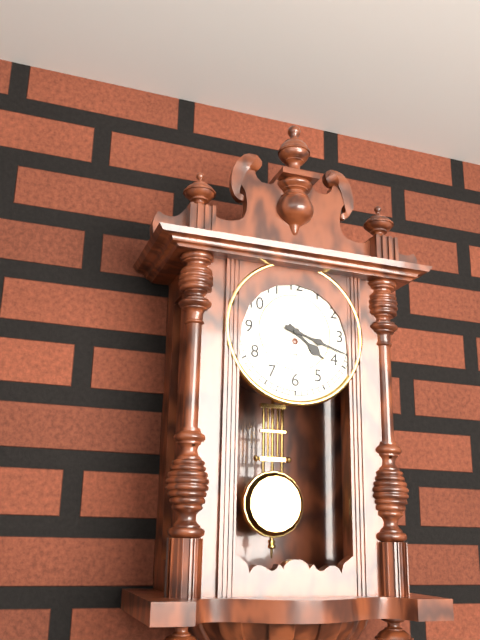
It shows 4:18
